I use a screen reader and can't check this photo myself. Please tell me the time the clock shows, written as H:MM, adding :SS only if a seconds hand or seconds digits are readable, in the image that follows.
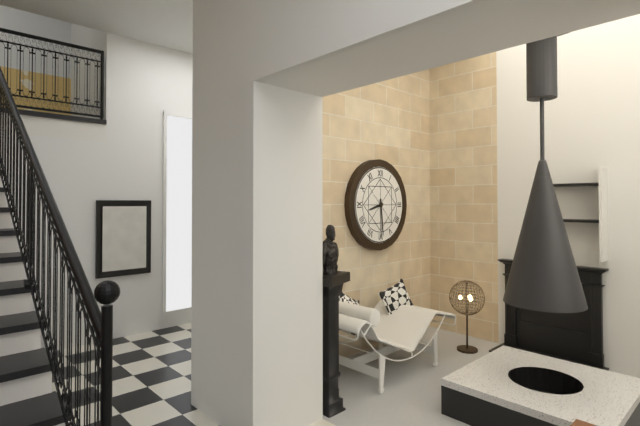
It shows 8:29
